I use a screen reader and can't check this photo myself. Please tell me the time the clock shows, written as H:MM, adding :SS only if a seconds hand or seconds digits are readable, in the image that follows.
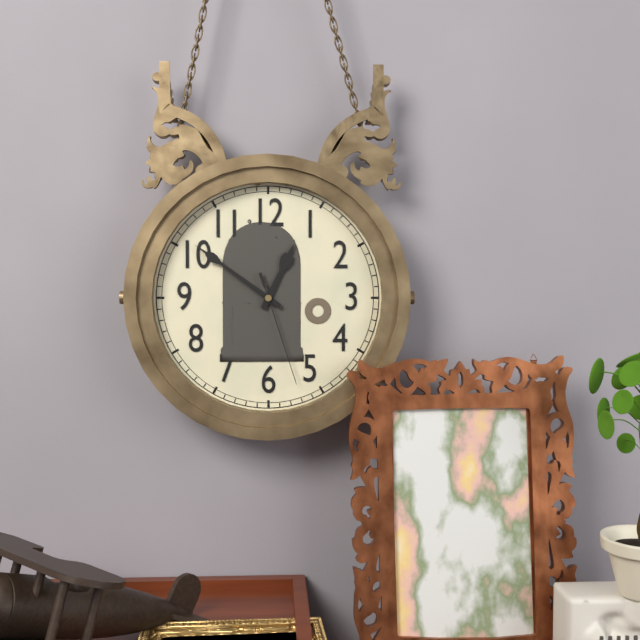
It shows 12:51:27
